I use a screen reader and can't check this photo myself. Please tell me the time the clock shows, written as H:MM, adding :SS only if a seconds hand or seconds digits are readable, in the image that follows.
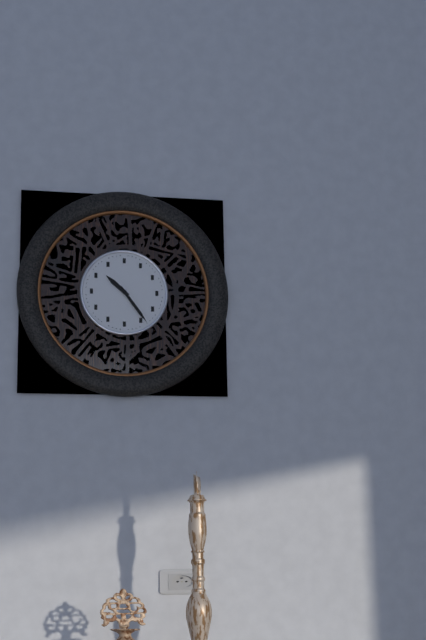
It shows 10:24
